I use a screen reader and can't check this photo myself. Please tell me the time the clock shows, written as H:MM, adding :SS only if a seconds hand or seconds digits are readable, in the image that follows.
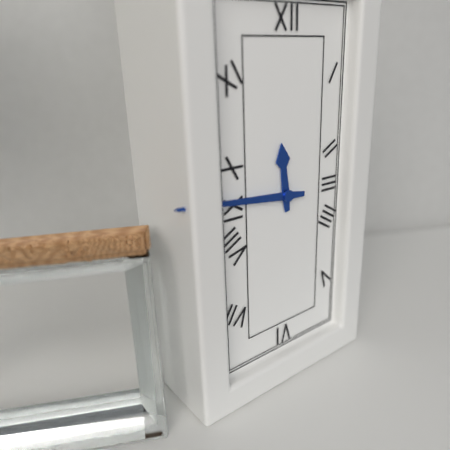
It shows 11:46
